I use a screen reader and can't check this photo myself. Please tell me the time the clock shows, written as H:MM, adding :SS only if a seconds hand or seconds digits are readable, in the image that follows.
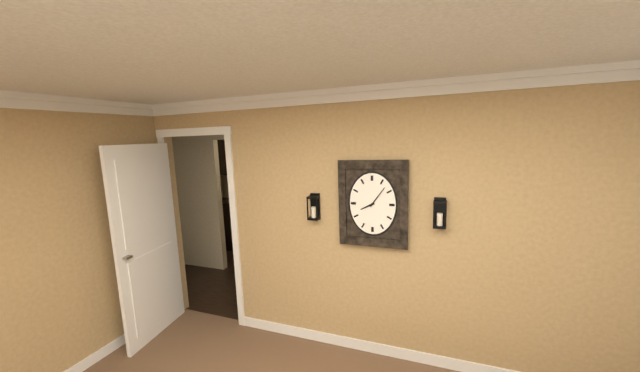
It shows 8:06
